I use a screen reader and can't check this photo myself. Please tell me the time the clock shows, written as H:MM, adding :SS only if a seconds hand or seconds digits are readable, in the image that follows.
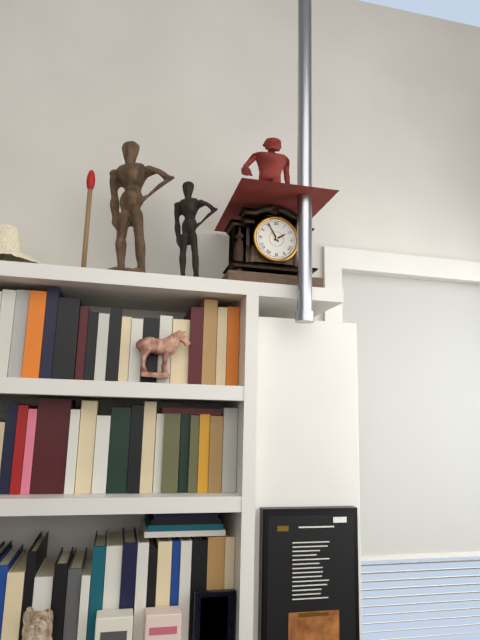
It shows 1:55
